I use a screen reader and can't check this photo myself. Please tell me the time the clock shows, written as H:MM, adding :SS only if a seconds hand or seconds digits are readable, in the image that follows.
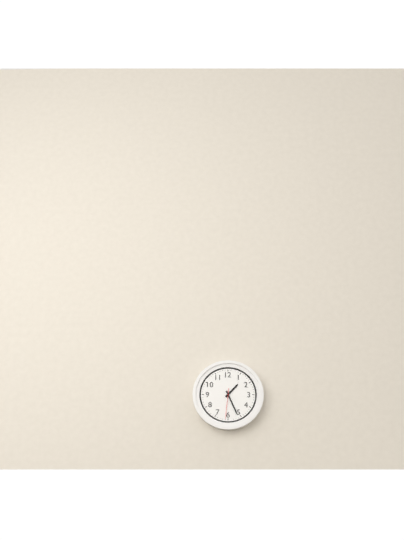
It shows 1:26
